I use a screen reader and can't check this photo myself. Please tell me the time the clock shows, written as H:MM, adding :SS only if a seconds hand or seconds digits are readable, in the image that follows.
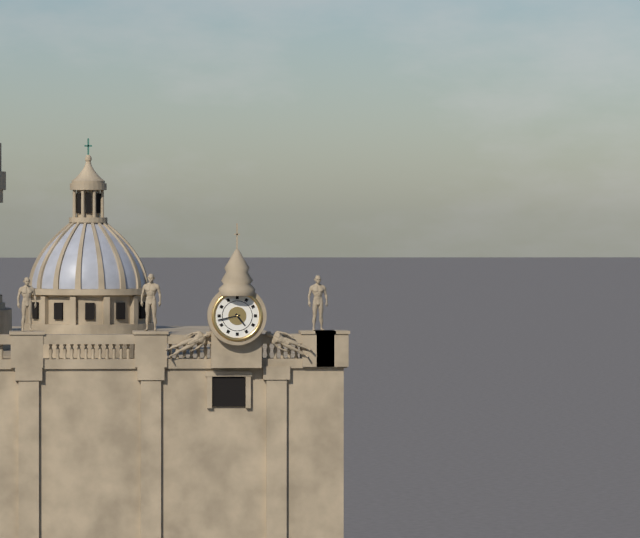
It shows 4:43
